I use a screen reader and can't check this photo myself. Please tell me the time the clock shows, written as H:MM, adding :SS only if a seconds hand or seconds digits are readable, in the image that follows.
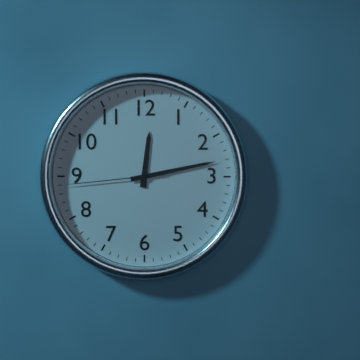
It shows 12:13:44
